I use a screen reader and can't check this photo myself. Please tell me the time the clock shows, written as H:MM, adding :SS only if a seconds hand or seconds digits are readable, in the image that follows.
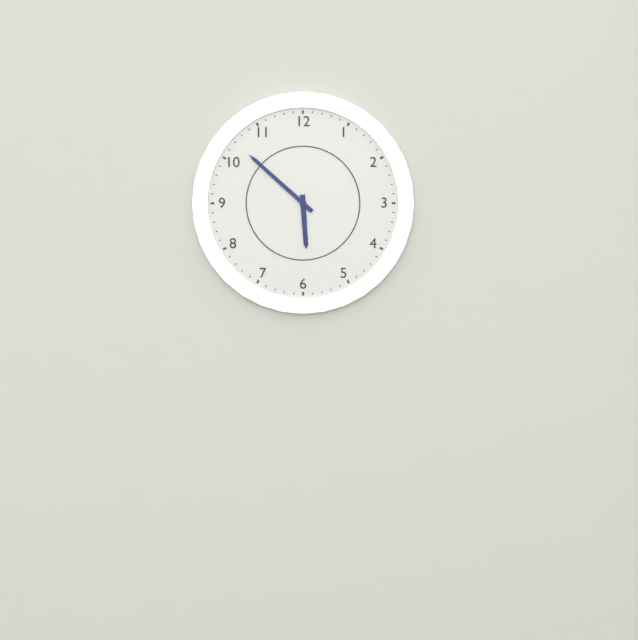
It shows 5:52
